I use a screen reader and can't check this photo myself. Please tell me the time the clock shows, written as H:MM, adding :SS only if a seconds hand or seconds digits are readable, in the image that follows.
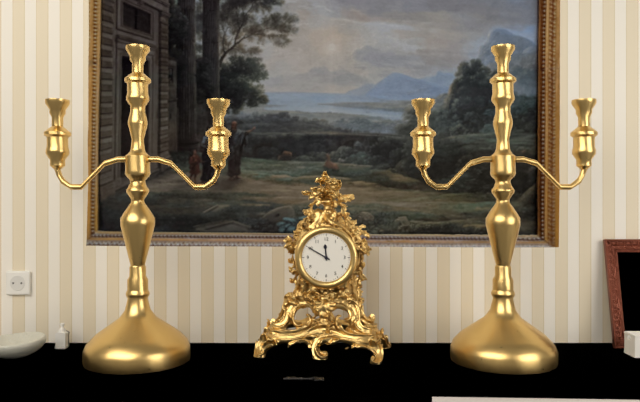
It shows 11:50
